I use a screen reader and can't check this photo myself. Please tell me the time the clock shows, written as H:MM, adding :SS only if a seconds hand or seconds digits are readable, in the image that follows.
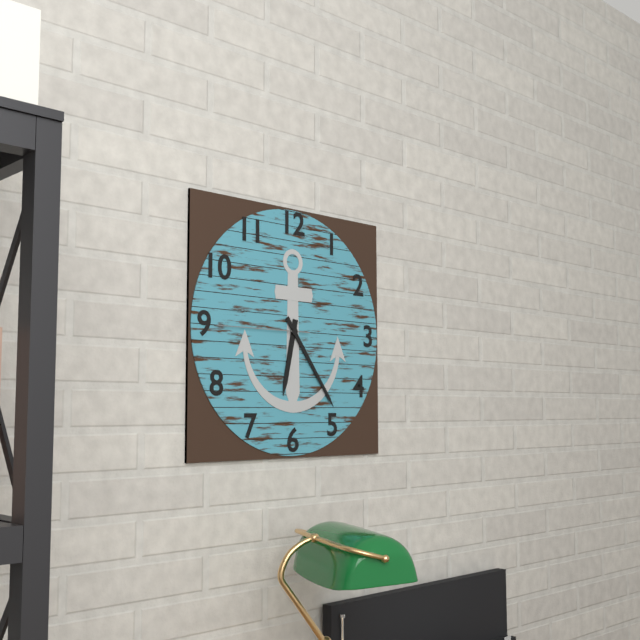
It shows 6:24:45
